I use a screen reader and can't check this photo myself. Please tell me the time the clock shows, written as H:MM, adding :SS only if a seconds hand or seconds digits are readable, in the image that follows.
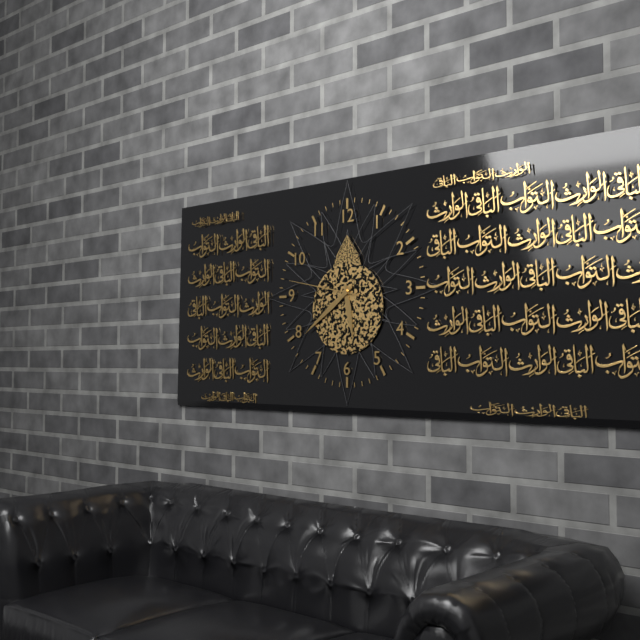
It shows 5:39:47
